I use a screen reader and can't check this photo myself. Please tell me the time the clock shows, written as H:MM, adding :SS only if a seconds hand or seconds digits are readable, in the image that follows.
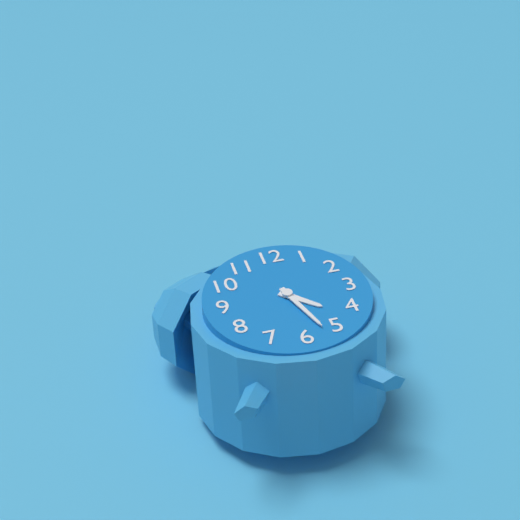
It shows 4:27
